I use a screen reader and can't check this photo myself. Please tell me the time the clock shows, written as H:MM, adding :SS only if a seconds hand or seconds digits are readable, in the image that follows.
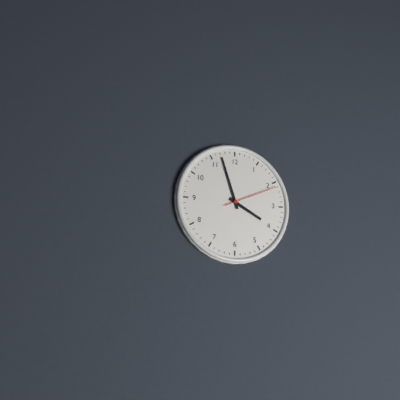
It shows 3:57:11
